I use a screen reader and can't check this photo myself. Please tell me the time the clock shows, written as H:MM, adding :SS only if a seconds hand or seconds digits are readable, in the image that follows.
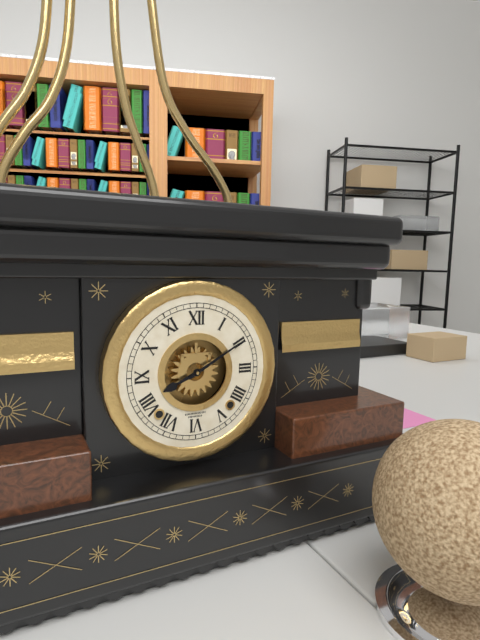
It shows 8:10
